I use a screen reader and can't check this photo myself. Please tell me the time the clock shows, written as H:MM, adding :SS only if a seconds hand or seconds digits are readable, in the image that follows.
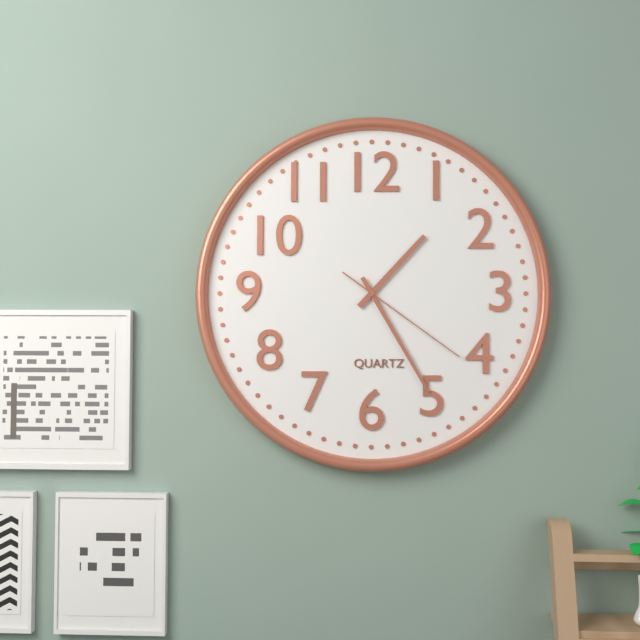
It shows 1:25:21
